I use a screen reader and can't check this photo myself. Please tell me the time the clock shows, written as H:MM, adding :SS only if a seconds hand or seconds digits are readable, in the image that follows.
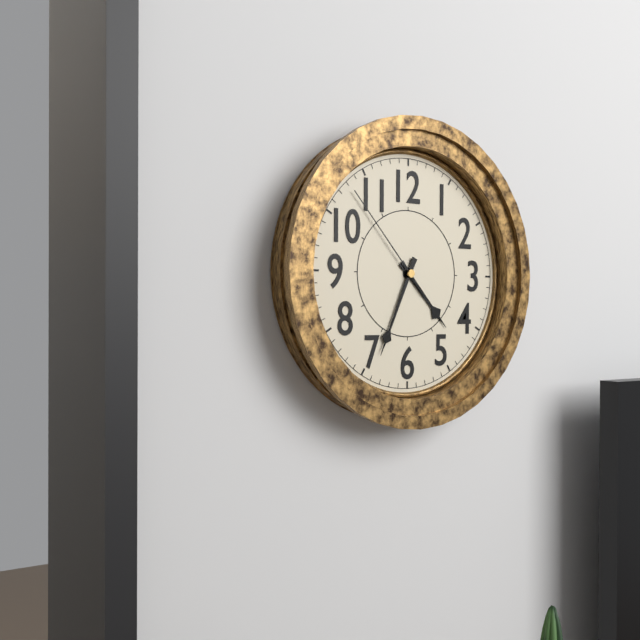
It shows 4:34:53
